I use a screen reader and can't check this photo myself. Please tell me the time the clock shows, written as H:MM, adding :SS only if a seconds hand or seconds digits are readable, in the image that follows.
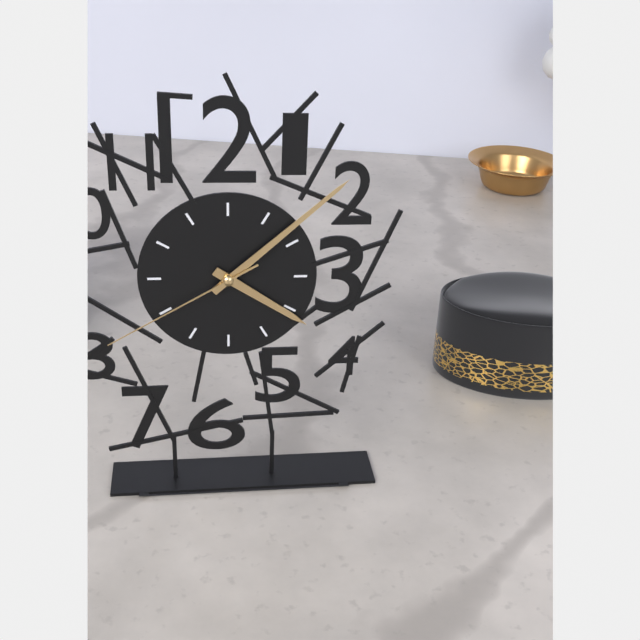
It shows 4:08:40
